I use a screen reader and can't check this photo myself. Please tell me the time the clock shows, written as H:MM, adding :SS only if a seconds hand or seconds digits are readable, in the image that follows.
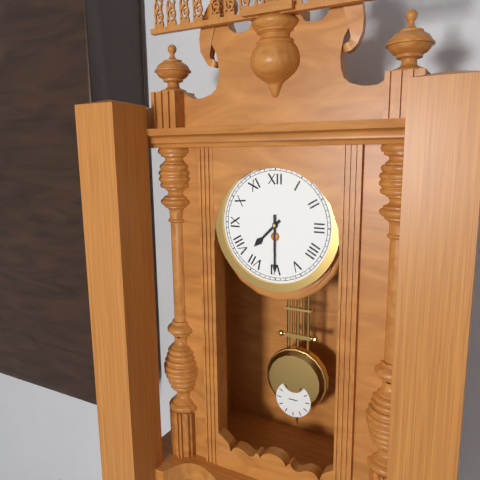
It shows 7:30
